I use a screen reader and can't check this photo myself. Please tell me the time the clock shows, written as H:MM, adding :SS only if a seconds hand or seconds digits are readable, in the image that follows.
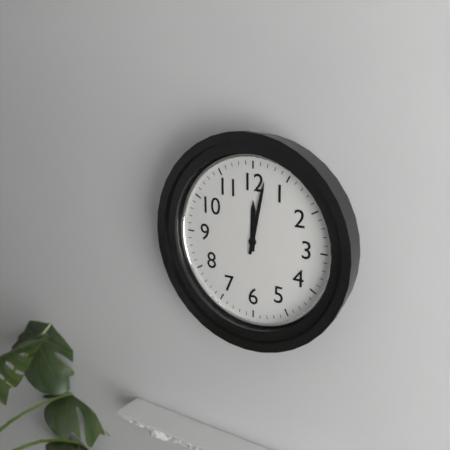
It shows 12:02
